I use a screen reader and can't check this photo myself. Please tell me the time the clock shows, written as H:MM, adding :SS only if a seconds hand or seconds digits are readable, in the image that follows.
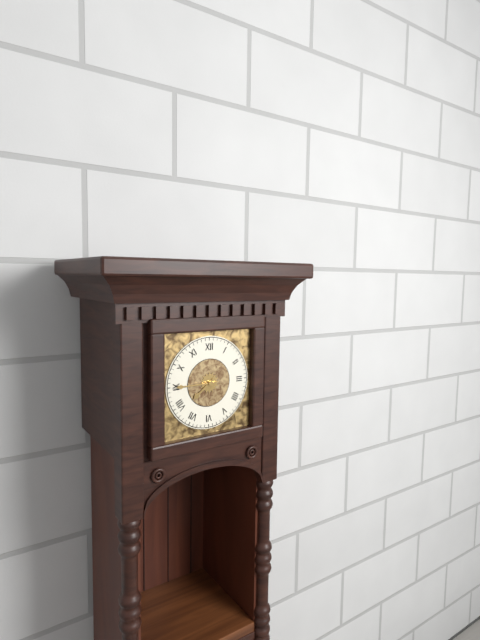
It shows 7:45
